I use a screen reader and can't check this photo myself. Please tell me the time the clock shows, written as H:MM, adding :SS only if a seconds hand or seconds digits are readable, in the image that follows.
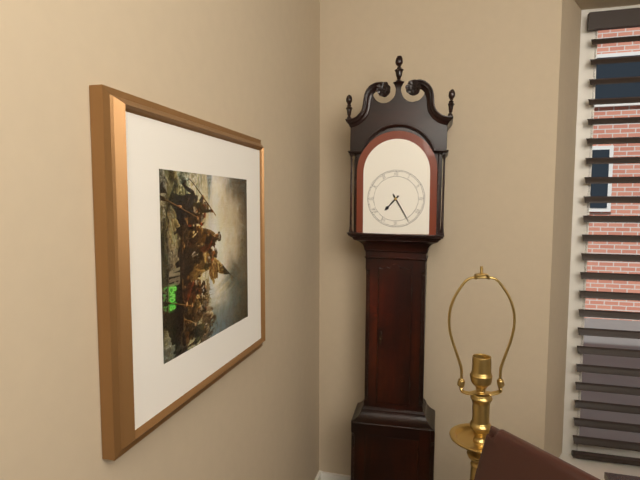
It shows 7:25
